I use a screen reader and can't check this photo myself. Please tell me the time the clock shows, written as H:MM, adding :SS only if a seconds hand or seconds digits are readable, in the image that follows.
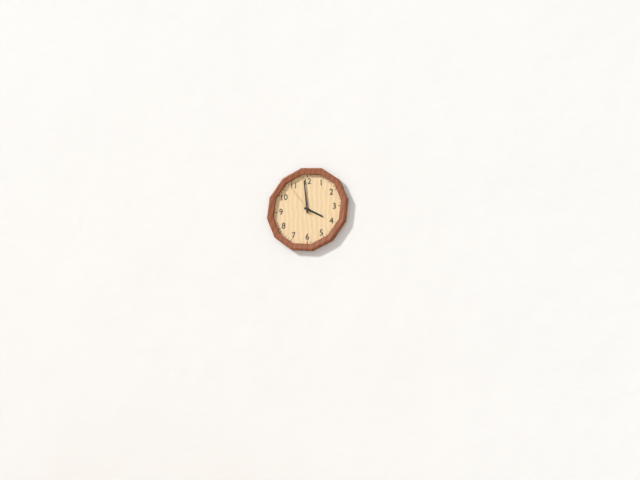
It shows 3:59
